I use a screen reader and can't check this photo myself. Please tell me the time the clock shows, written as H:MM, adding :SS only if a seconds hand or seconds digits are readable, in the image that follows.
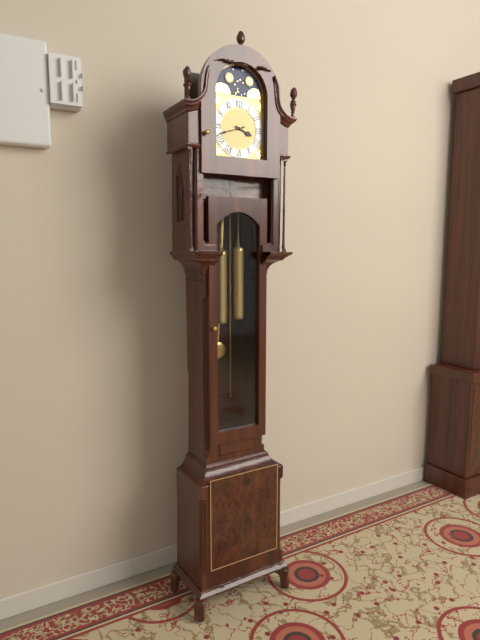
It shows 3:42
